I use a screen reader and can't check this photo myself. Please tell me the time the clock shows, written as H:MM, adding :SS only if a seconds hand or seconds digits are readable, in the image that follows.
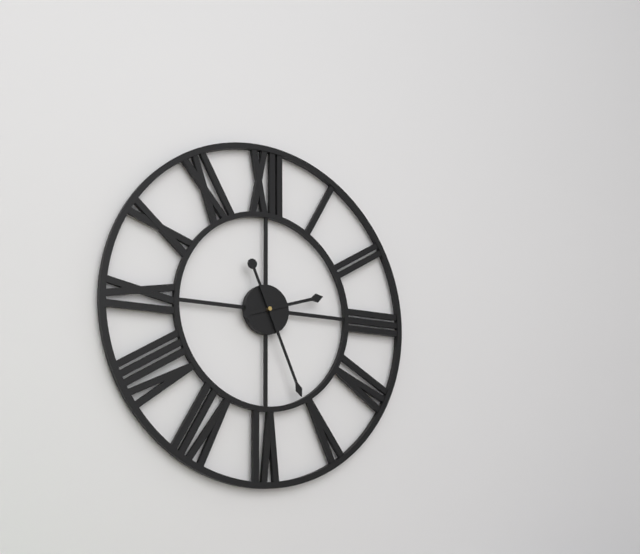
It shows 2:26
